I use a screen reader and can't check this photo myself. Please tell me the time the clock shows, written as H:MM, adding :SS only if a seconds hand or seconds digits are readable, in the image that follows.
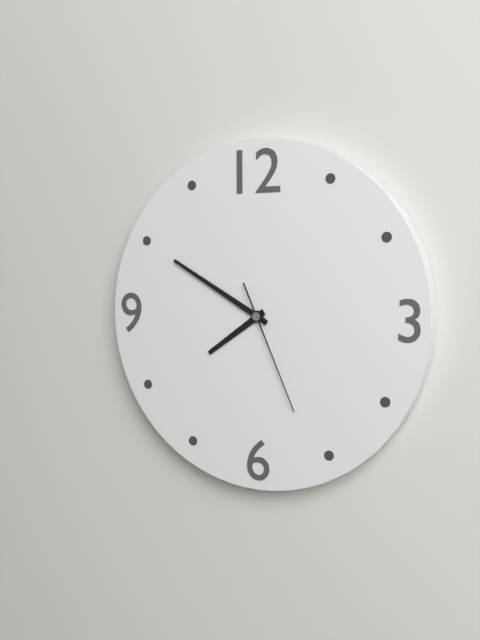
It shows 7:50:26
